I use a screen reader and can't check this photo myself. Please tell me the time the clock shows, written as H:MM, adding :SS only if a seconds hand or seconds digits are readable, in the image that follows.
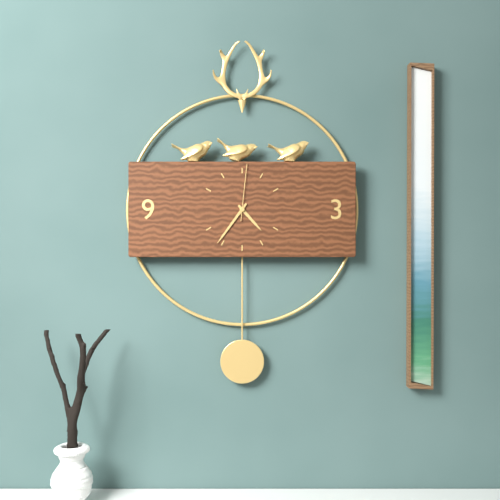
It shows 4:36:01
